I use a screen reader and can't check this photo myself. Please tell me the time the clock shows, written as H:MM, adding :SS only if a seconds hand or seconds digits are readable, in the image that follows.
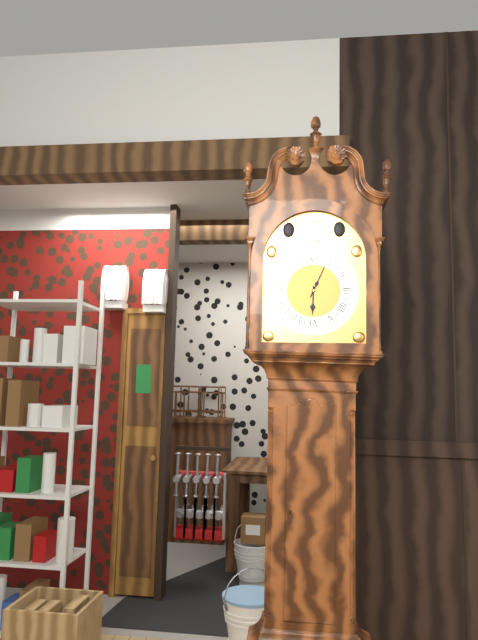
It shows 6:04
